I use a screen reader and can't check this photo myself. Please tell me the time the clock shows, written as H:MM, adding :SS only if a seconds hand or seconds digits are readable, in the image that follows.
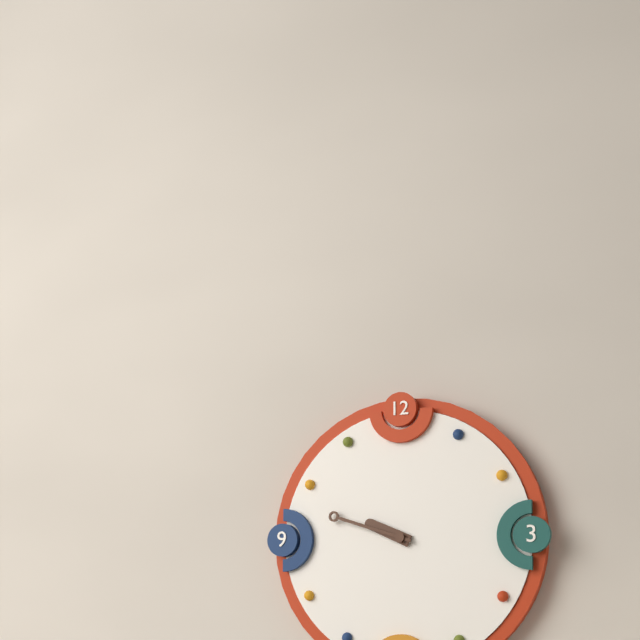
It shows 9:48
